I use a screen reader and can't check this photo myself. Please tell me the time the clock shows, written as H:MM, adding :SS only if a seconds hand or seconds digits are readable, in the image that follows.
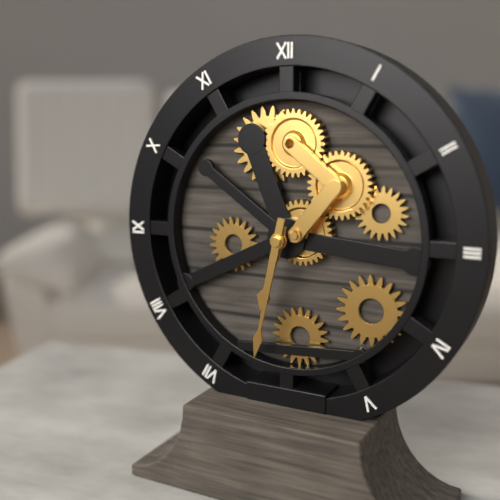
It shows 6:32
